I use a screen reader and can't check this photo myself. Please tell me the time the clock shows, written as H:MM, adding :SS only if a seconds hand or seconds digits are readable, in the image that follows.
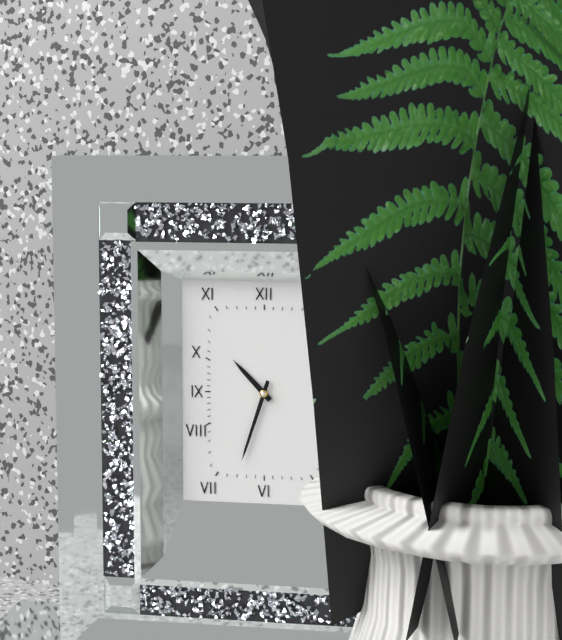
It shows 10:33
